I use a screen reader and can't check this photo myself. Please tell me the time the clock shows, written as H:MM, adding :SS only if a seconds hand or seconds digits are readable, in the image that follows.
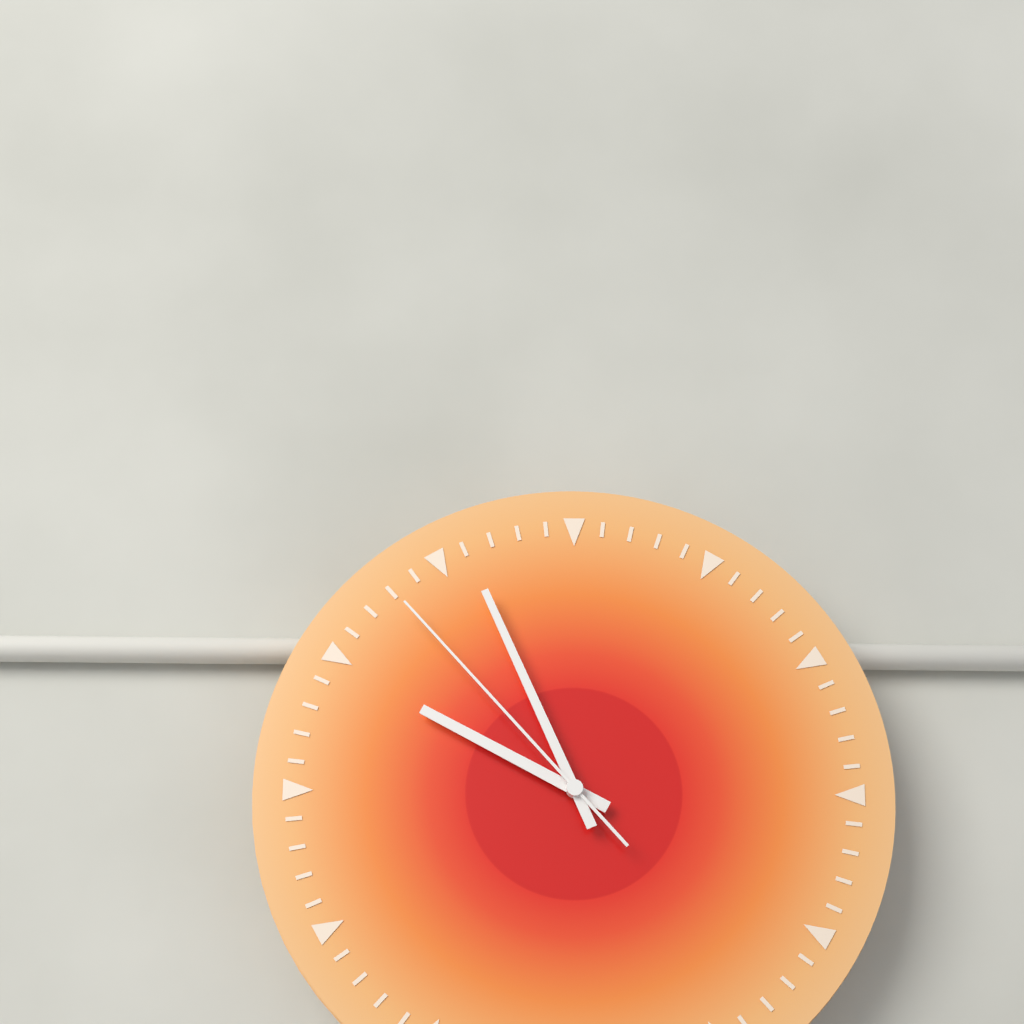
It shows 9:56:53
